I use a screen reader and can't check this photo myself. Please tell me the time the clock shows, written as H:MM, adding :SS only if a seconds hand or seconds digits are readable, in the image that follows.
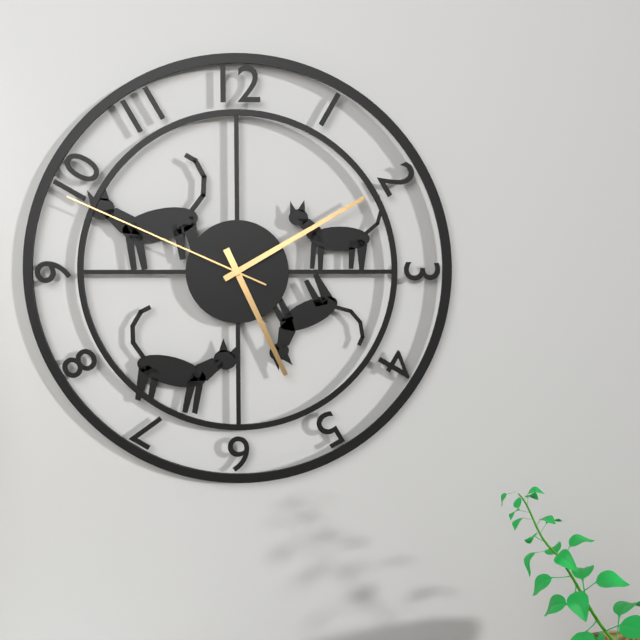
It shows 5:10:49
